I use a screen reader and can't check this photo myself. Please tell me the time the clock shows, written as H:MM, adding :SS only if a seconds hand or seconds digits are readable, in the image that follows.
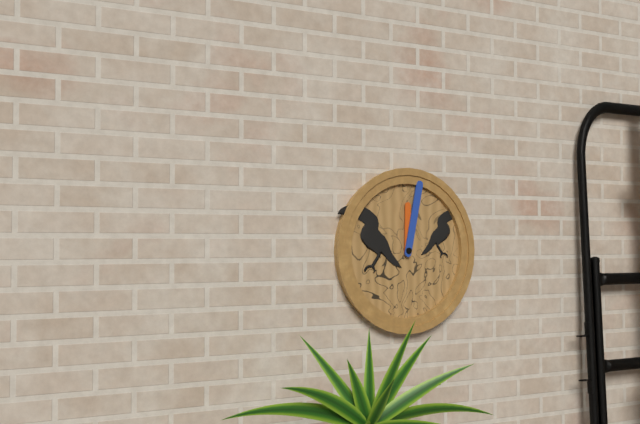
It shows 12:02
